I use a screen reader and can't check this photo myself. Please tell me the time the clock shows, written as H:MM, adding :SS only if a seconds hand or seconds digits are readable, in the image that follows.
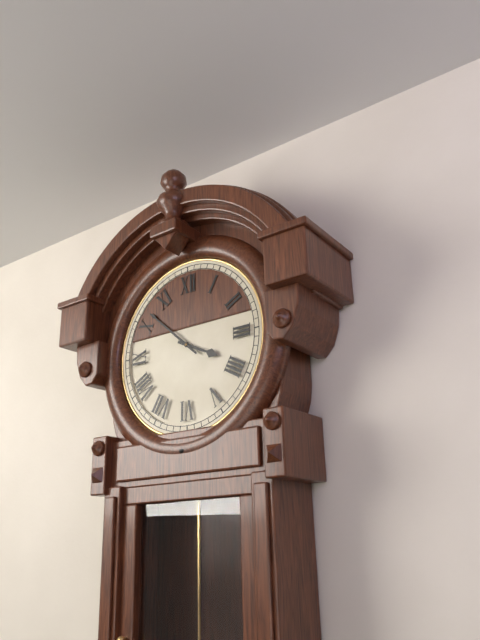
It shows 3:52
